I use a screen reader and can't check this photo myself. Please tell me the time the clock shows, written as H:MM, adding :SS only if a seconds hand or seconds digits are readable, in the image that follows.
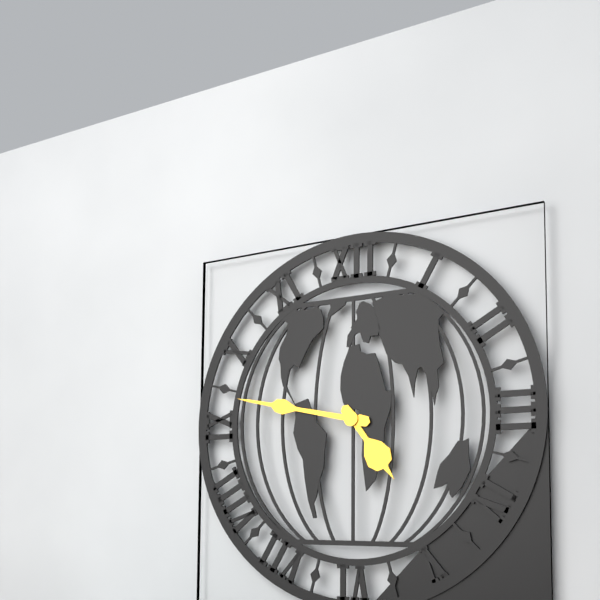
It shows 4:47
